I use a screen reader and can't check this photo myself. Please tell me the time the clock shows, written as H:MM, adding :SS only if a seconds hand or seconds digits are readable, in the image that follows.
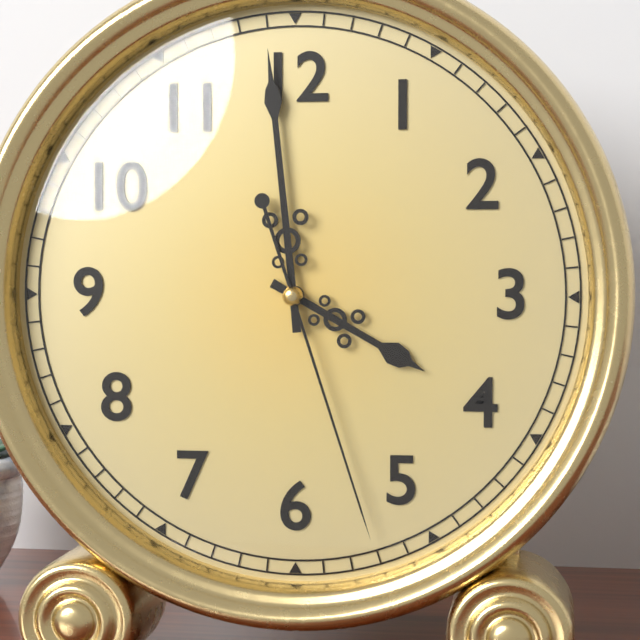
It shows 3:59:27
